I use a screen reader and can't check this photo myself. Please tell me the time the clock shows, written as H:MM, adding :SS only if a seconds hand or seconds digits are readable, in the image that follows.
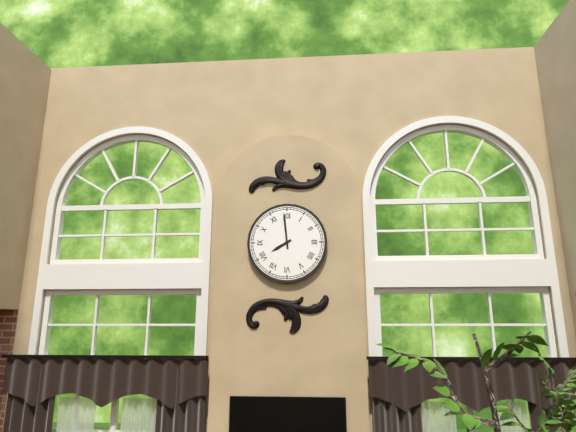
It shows 7:59
